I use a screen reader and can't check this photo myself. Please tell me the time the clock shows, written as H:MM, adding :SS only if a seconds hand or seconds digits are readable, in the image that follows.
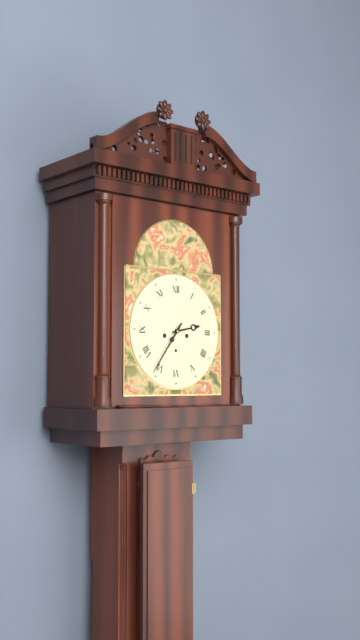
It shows 2:36
